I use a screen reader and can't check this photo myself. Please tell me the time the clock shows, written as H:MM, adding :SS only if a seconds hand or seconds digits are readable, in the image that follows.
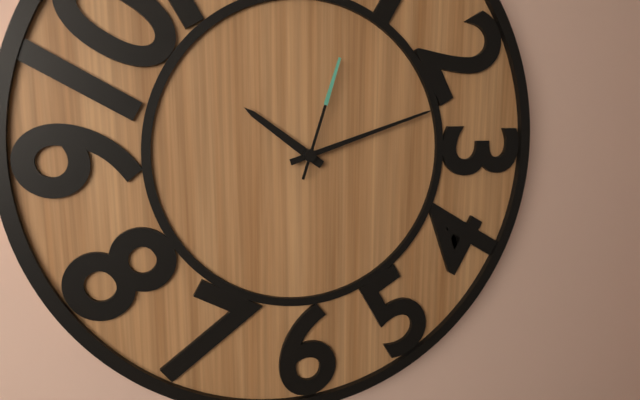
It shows 10:12:03
